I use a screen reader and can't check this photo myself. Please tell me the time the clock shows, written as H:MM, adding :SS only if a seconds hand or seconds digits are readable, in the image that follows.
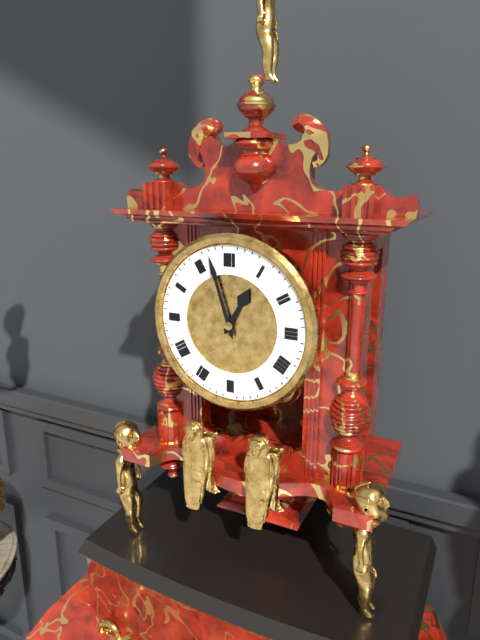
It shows 12:57
